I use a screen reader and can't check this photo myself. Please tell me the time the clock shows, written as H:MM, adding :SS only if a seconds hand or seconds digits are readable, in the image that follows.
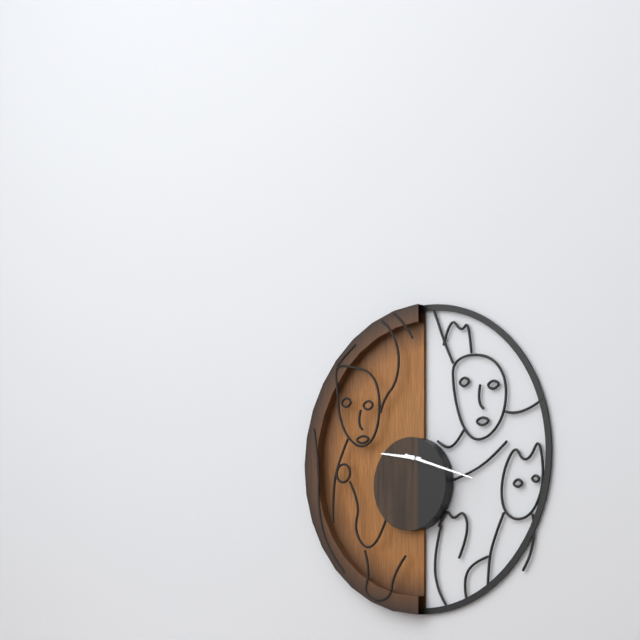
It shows 9:18
